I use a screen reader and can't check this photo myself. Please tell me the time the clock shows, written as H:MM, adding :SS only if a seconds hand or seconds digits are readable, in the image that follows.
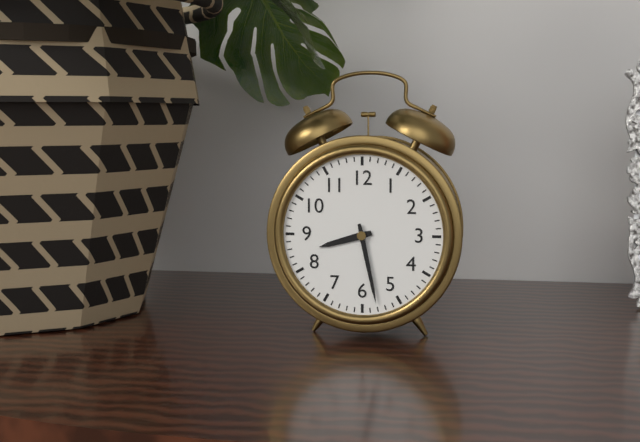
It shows 8:28
